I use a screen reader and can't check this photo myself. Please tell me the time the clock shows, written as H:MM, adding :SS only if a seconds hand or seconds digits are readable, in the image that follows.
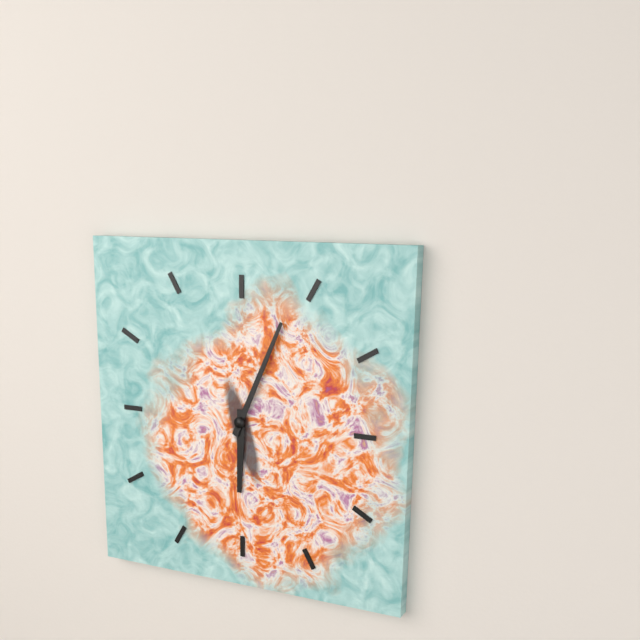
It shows 6:04
